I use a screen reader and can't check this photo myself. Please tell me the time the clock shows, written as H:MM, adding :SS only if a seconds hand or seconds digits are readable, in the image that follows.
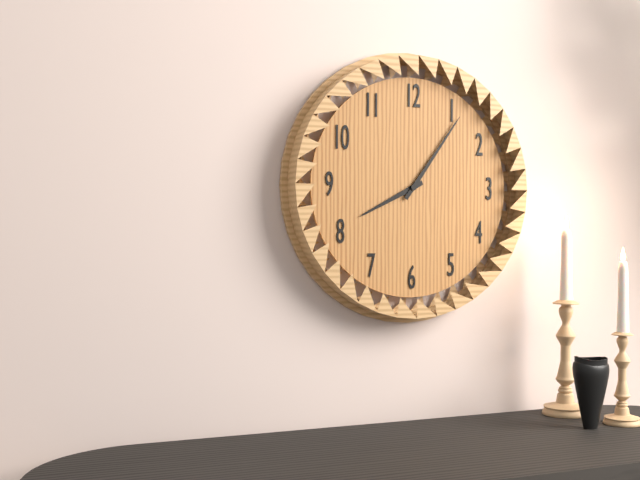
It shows 8:06
